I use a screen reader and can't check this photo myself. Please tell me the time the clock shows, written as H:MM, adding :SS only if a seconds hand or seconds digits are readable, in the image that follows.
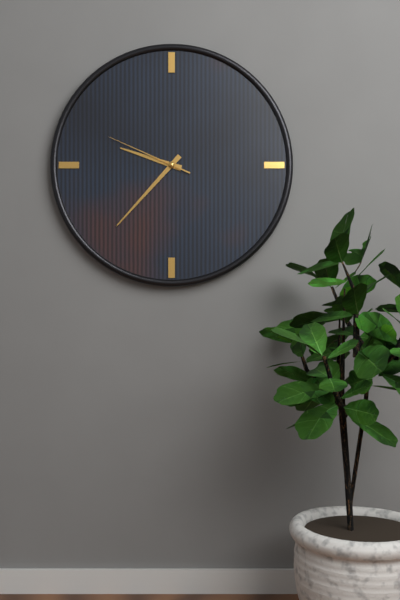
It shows 9:37:49
